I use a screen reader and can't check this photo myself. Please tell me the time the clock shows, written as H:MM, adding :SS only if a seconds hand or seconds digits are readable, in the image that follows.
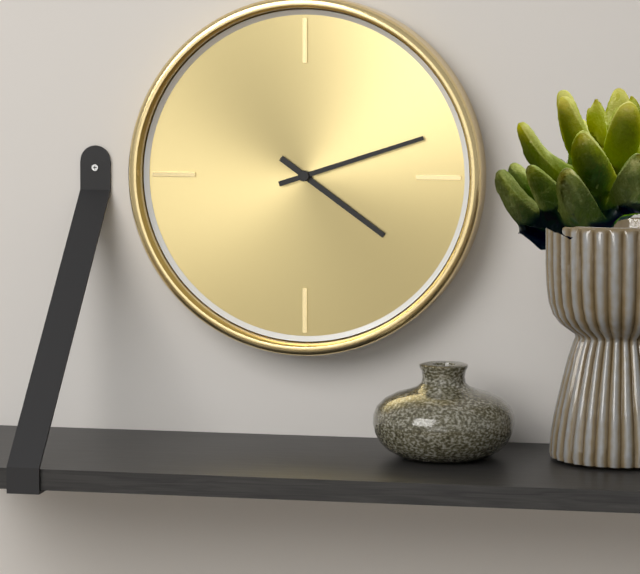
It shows 4:12
